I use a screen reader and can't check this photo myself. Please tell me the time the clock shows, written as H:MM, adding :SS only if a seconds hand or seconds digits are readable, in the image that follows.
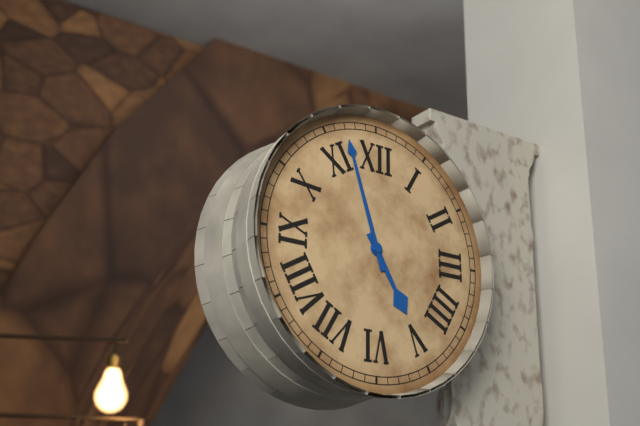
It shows 4:57
